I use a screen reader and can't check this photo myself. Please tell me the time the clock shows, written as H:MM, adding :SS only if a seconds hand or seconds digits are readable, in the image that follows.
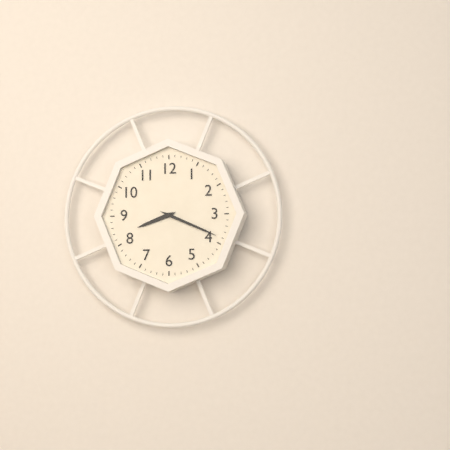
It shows 8:19
